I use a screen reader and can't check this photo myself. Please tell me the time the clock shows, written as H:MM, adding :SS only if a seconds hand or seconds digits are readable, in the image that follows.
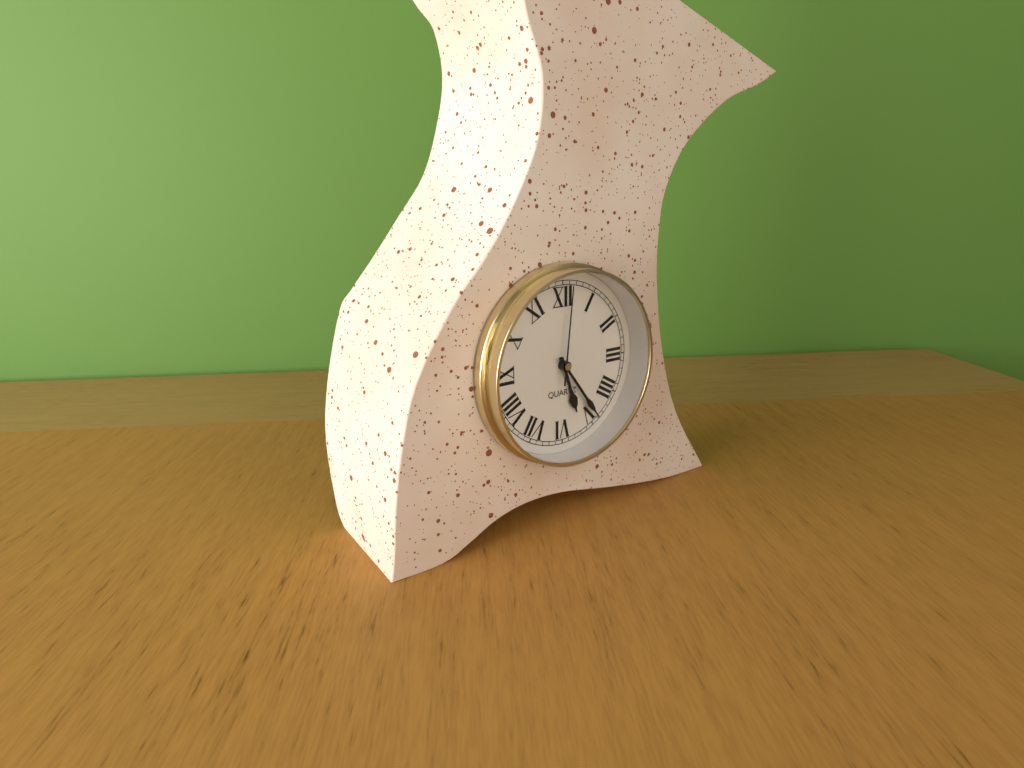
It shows 5:24:01
